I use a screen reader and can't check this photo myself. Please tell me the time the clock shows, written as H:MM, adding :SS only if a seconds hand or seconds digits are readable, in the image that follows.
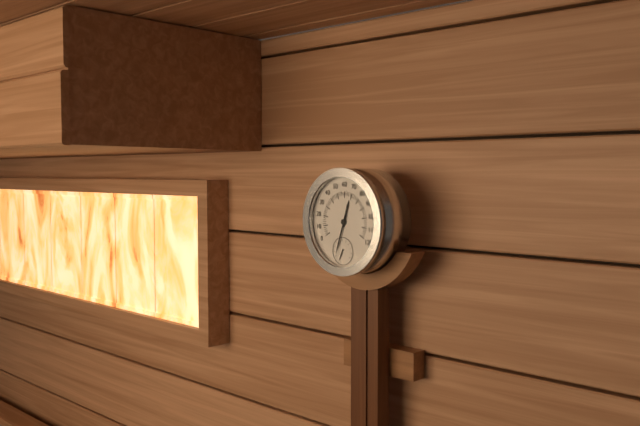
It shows 12:33
